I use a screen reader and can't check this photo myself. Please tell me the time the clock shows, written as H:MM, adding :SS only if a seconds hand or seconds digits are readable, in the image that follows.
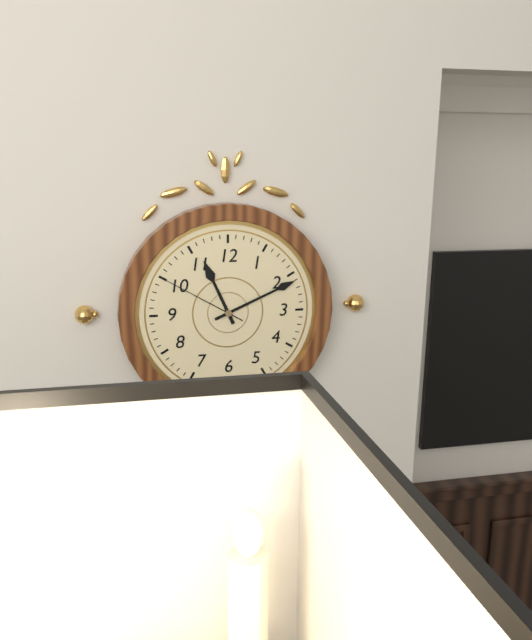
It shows 11:11:50
